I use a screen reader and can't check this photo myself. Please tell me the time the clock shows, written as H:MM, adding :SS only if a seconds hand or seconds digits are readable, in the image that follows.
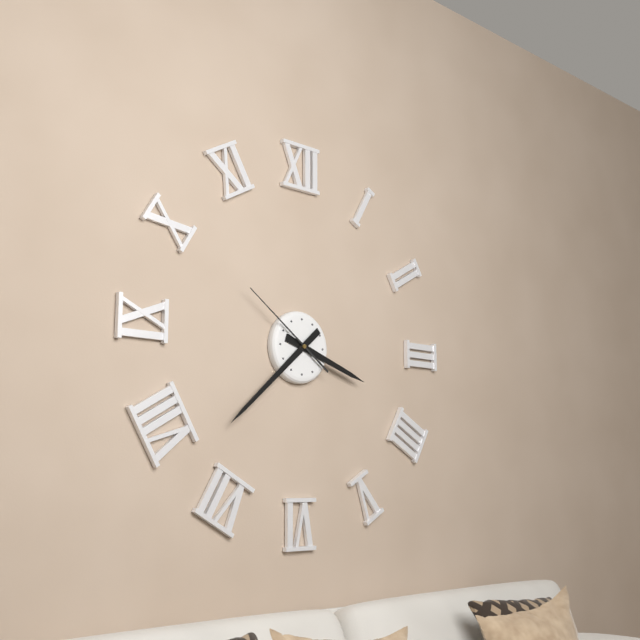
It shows 3:38:51
